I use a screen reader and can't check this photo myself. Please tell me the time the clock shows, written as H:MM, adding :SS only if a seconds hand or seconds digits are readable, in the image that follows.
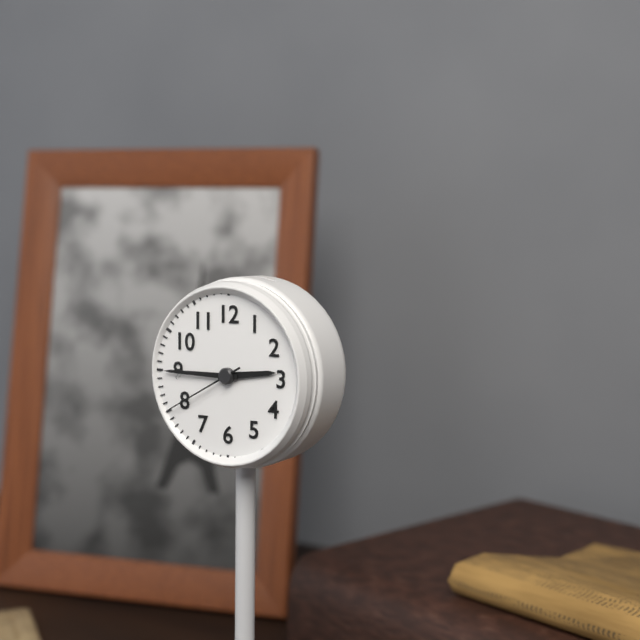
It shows 2:45:40
